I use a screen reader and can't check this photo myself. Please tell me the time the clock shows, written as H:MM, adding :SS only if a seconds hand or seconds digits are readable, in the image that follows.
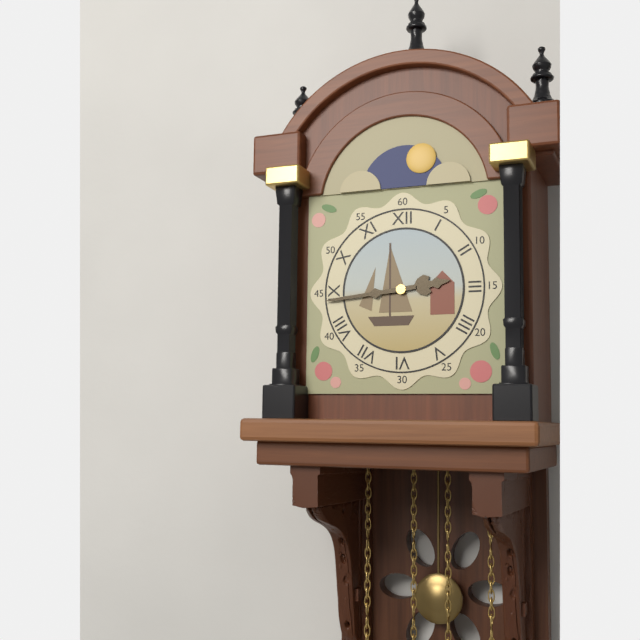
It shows 2:44
